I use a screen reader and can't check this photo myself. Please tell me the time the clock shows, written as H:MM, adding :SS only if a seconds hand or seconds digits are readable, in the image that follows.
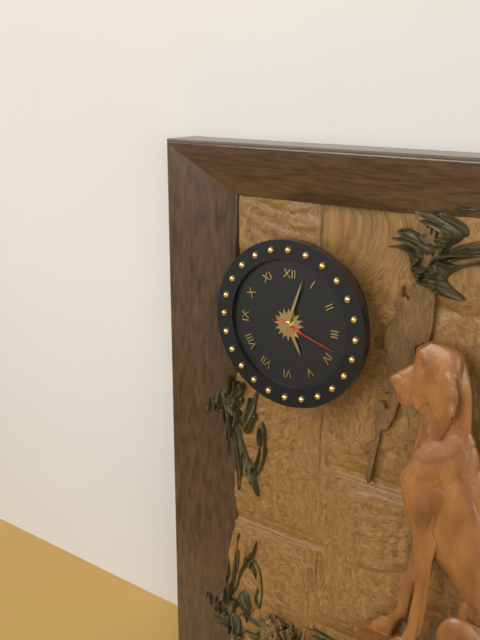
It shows 5:03:18
